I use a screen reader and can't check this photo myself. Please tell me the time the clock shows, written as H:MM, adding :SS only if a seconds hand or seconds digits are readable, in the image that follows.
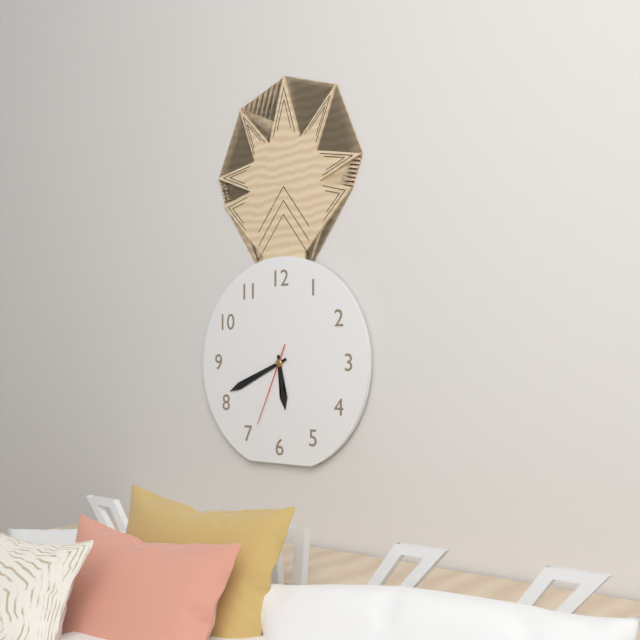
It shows 5:41:34
